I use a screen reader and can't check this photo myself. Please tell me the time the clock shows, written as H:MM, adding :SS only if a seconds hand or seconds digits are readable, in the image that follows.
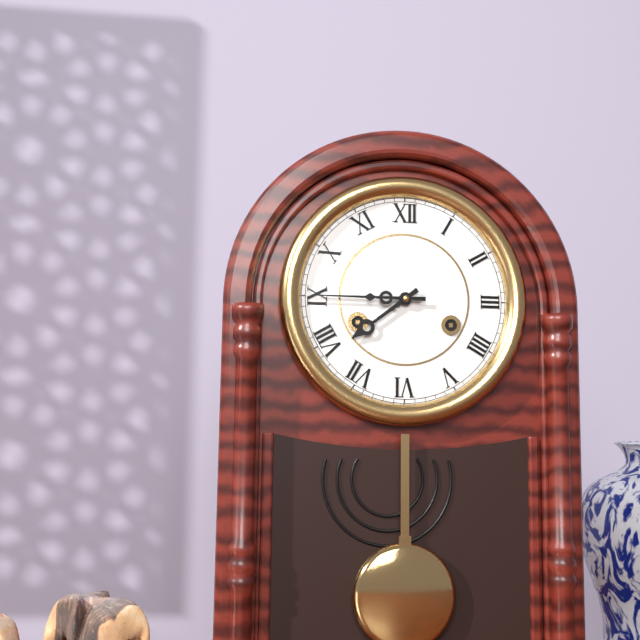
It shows 7:45
